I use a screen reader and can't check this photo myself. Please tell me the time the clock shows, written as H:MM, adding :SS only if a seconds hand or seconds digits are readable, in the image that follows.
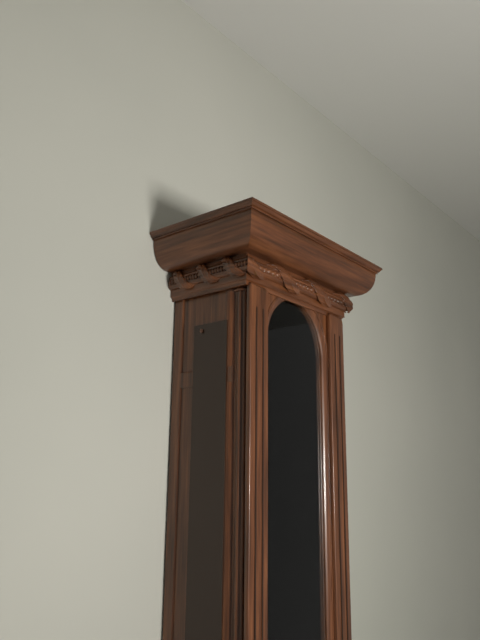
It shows 8:20
